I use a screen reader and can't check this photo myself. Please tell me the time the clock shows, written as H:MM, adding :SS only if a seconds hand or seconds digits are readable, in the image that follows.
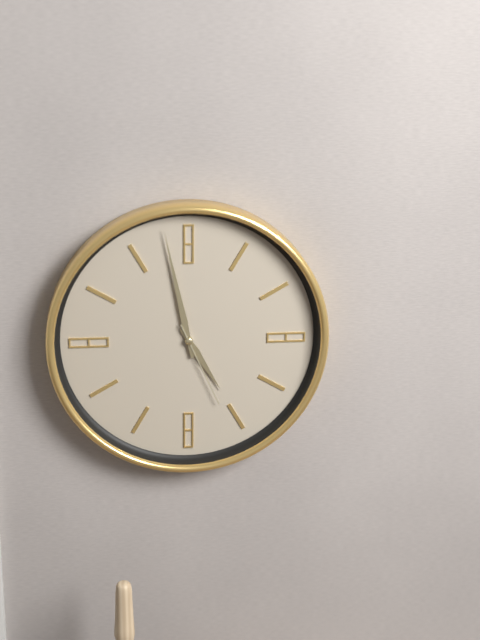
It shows 4:58:26
